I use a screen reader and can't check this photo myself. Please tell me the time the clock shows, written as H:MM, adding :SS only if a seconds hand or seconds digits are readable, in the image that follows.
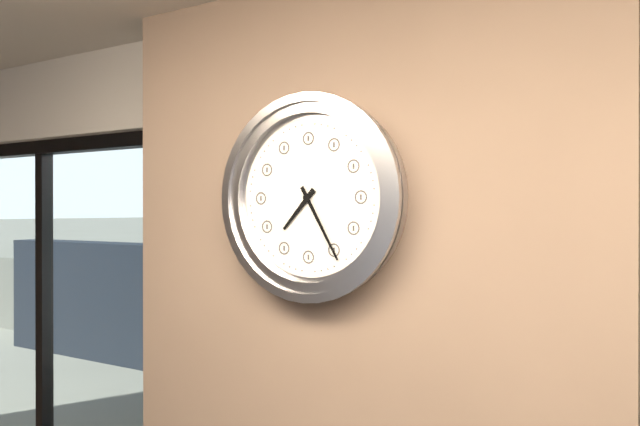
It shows 7:25
